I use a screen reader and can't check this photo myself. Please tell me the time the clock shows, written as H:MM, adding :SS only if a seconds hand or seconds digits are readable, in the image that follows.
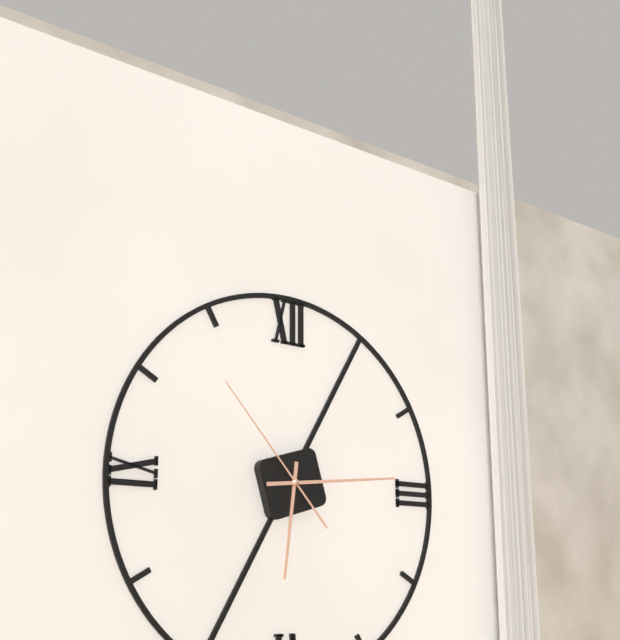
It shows 6:14:53
